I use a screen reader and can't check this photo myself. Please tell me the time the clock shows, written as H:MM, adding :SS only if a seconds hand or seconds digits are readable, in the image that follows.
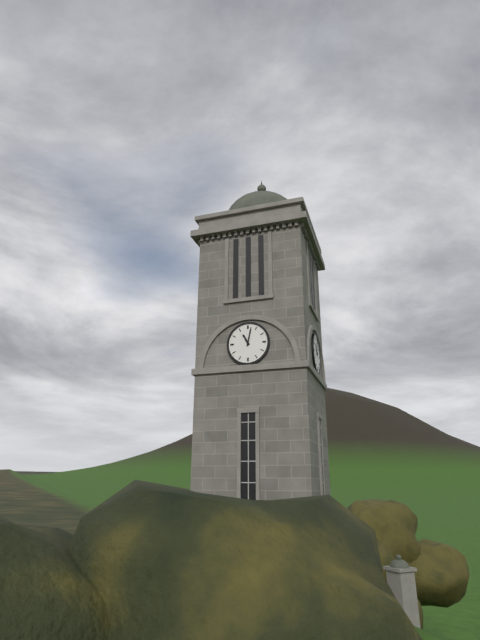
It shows 11:02
